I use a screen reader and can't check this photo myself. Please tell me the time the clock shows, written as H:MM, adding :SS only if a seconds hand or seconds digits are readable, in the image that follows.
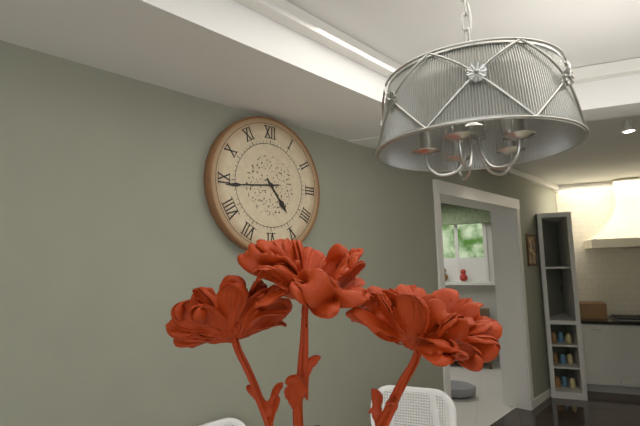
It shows 4:44
